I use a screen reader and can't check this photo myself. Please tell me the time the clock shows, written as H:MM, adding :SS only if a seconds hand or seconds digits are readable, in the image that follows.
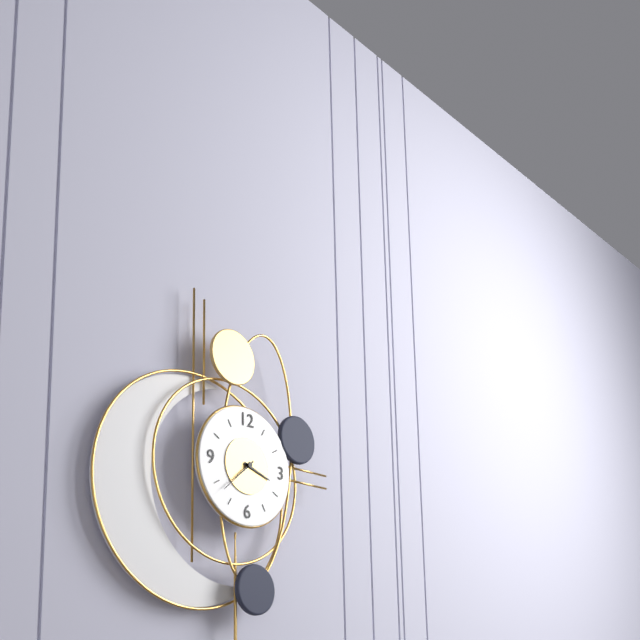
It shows 3:38
